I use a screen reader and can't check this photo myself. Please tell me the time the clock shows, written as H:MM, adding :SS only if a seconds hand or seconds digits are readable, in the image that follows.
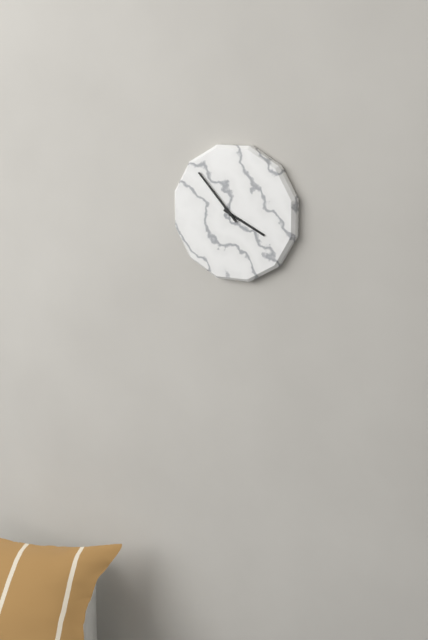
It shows 3:53
